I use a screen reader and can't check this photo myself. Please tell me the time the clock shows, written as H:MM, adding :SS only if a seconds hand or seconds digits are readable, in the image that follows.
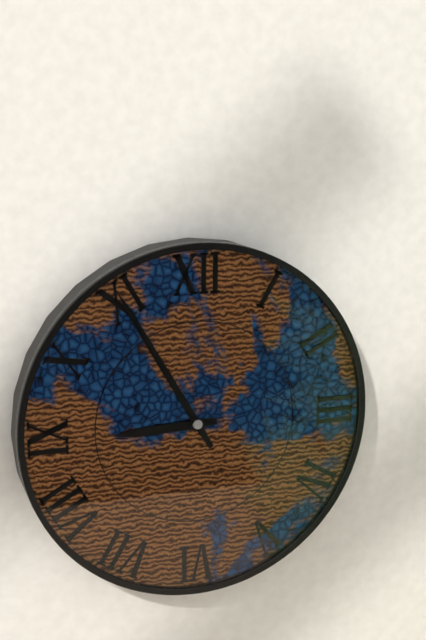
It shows 8:55
